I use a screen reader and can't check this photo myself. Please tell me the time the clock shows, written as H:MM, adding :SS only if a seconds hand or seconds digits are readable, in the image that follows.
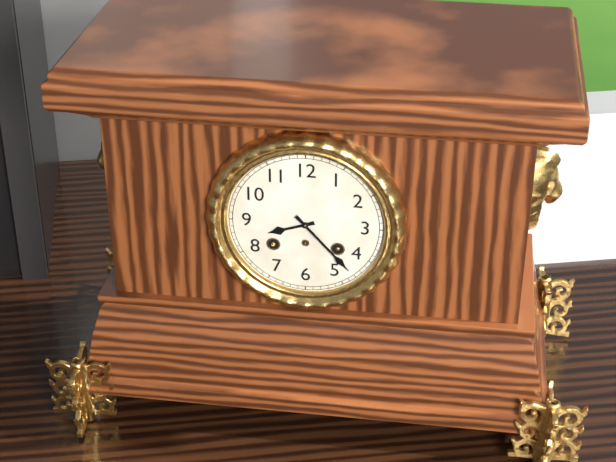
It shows 8:23
